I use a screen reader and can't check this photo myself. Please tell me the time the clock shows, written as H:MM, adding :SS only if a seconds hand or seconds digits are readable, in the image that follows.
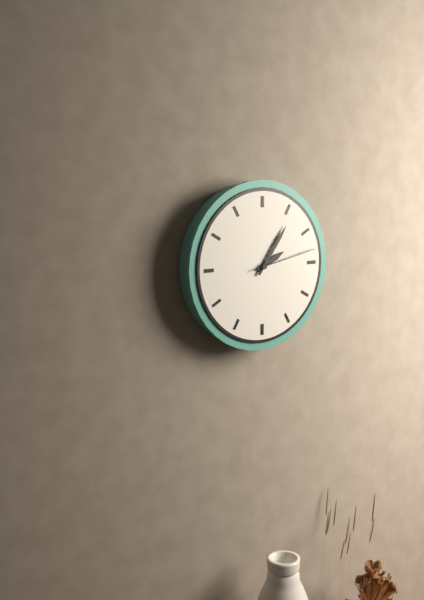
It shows 2:06:13
